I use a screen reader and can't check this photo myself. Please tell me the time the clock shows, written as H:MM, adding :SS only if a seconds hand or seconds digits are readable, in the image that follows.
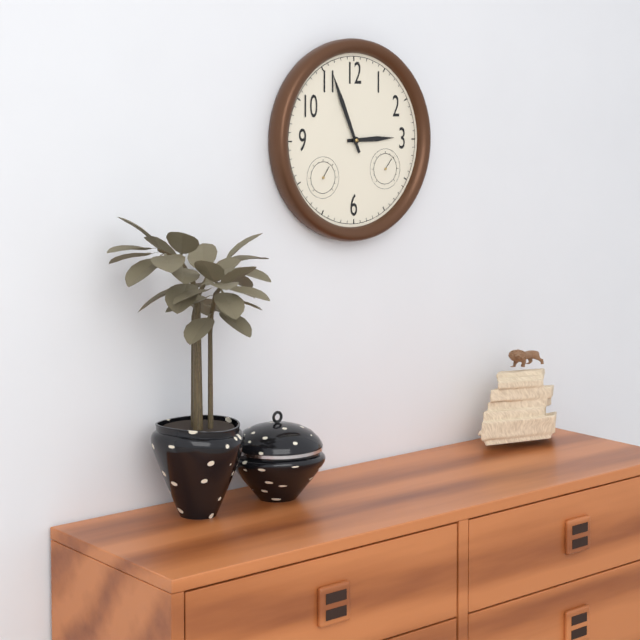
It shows 2:56
